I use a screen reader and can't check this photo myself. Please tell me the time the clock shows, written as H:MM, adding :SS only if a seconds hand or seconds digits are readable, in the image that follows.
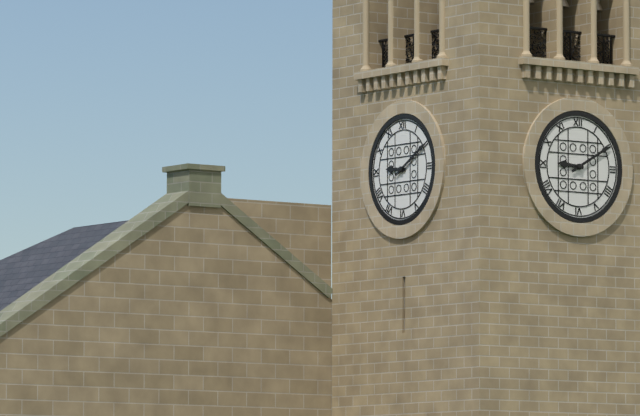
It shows 9:10
